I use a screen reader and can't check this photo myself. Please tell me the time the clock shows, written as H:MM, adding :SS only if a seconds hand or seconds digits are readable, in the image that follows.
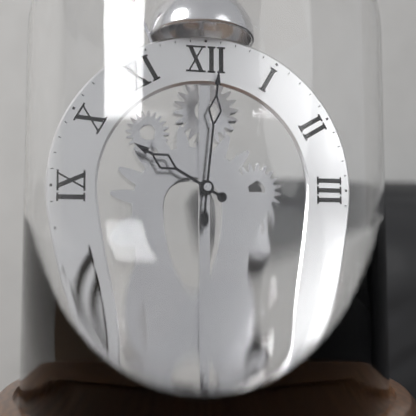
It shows 10:01
